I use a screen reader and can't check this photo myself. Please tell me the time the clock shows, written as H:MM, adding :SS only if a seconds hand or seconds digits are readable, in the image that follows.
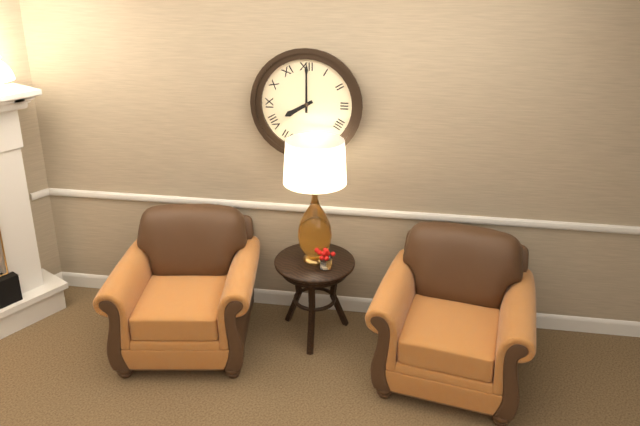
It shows 8:00
